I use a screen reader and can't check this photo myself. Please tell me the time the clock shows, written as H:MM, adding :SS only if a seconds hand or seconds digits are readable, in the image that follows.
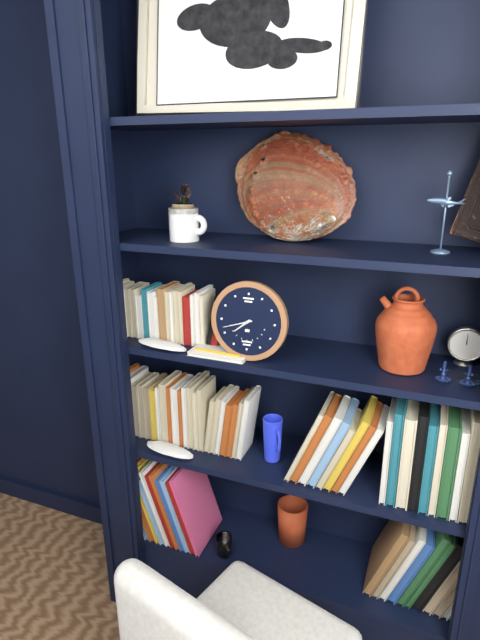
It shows 7:42
